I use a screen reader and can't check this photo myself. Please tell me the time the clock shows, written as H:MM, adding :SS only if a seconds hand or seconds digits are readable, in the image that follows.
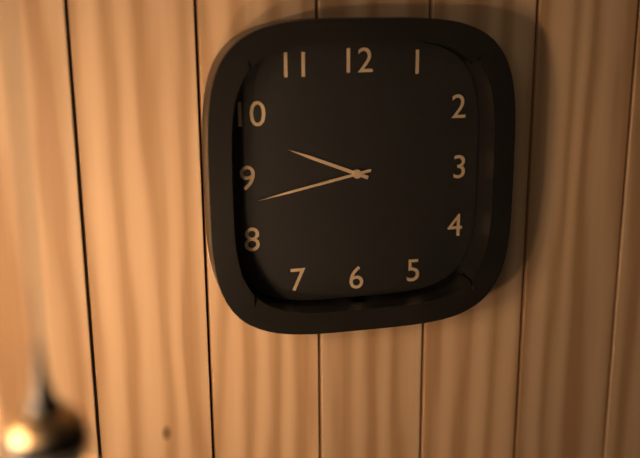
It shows 9:43
